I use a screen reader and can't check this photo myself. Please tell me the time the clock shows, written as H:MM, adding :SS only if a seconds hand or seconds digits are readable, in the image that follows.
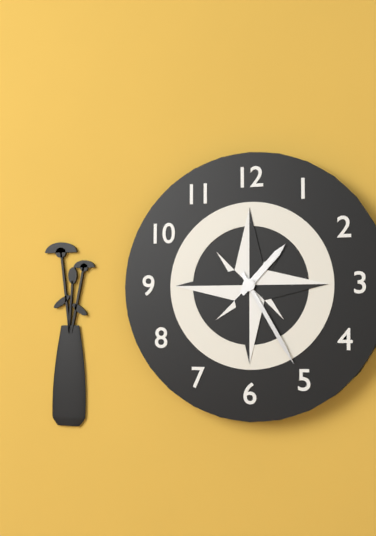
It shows 1:25
